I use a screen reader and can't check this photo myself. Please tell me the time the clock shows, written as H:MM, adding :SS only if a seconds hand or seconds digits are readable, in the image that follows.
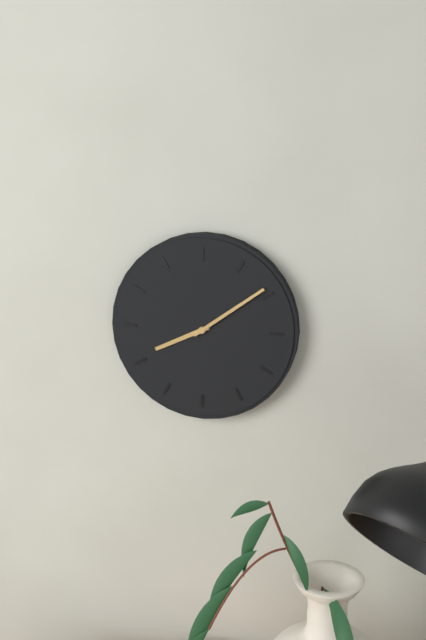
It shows 8:09
